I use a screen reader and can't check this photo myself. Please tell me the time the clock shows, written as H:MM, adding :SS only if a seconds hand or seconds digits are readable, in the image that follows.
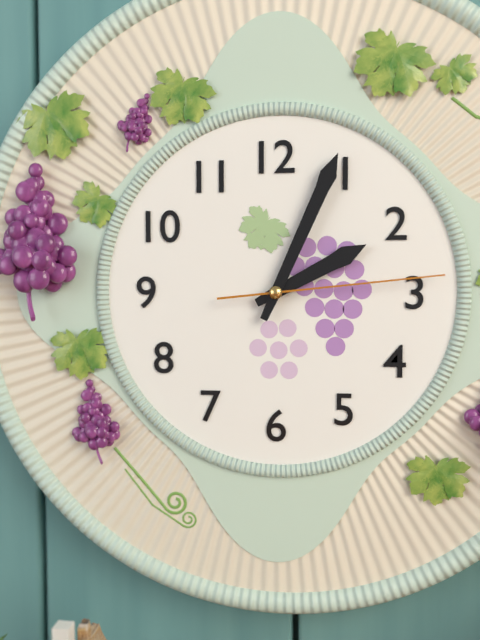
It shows 2:04:14
